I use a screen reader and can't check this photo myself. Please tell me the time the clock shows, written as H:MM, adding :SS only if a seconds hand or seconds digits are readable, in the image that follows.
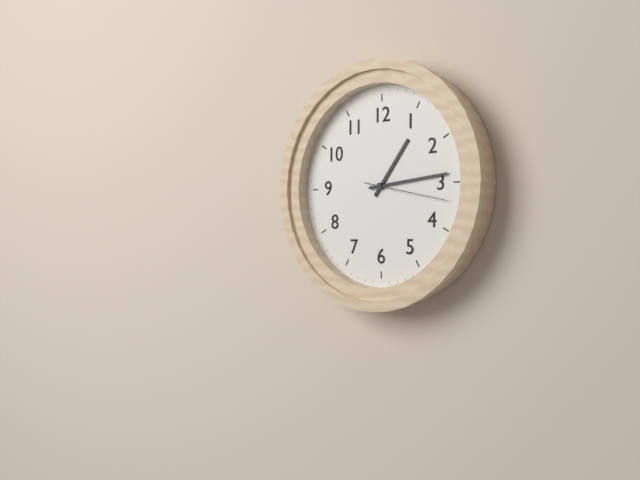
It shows 1:14:17
